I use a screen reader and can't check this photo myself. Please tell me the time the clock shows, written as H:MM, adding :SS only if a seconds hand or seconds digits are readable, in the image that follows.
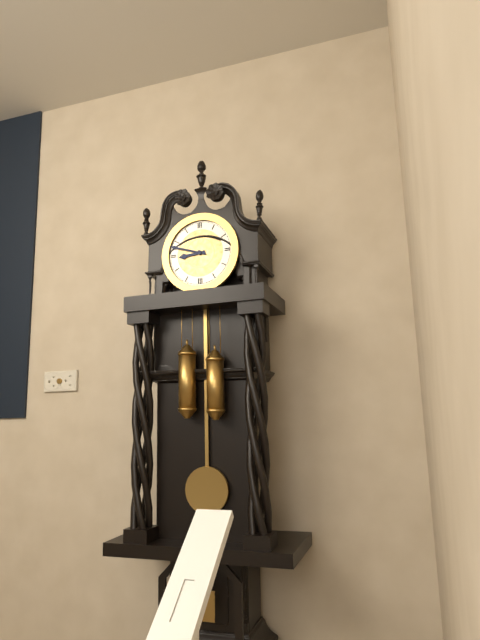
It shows 8:48
